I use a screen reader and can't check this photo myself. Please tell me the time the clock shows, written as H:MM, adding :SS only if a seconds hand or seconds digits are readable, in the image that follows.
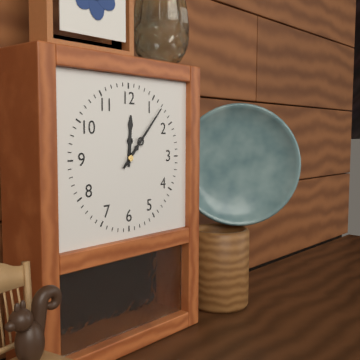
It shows 12:07
